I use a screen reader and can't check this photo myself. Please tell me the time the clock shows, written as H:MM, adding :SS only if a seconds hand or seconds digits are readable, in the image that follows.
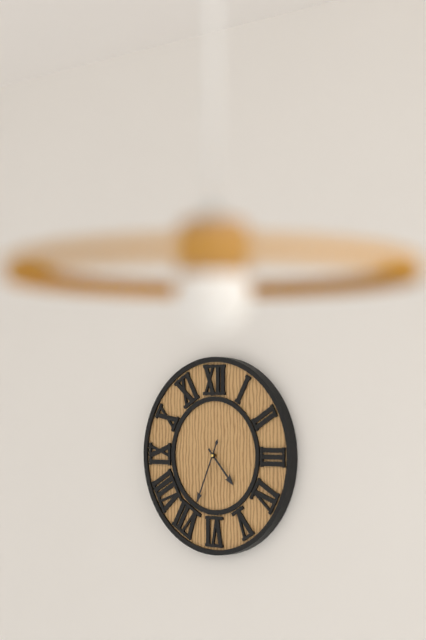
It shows 4:34
